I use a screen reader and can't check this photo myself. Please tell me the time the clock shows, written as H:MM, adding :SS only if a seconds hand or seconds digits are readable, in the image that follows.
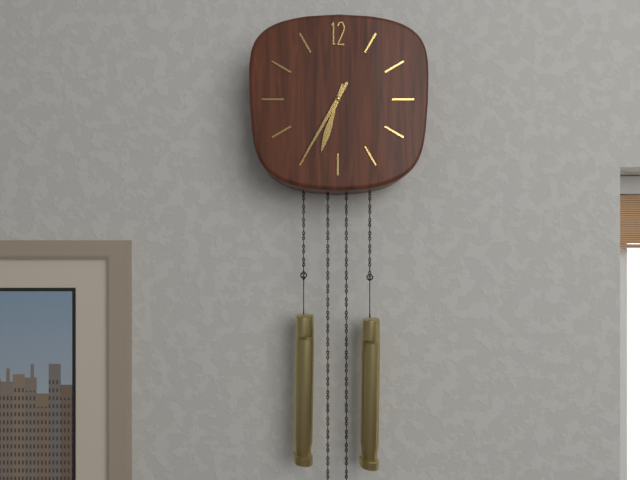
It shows 6:35
